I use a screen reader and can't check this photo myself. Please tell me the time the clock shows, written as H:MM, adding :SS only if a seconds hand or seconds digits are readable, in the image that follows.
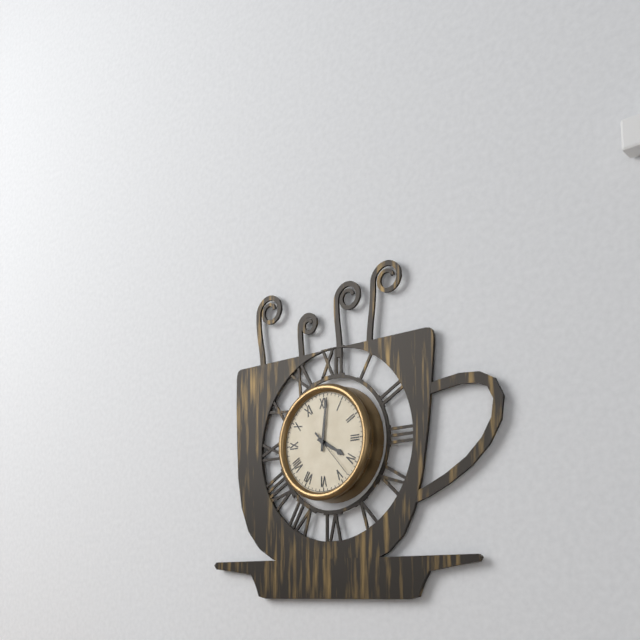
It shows 4:01:23
